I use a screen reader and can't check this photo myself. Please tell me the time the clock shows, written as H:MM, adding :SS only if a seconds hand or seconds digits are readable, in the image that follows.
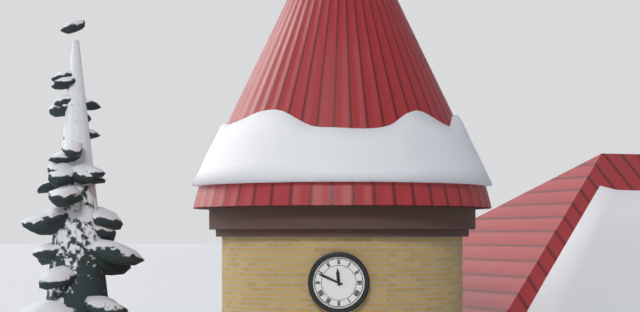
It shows 11:49
